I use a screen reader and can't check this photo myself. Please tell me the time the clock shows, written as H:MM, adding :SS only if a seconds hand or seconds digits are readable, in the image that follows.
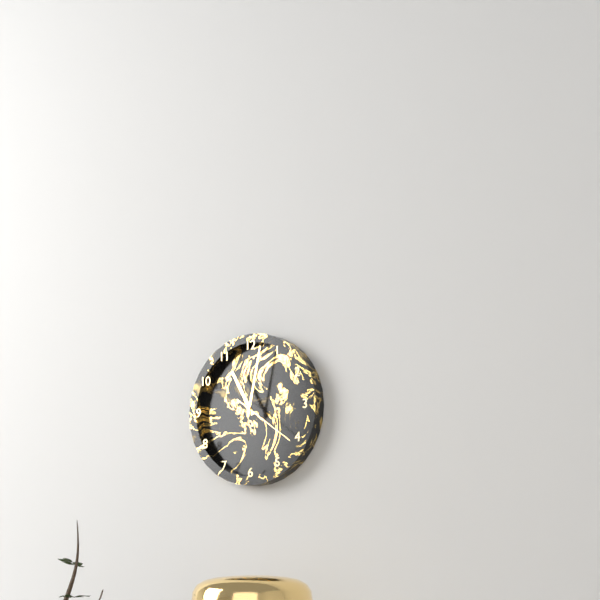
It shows 11:02:21
